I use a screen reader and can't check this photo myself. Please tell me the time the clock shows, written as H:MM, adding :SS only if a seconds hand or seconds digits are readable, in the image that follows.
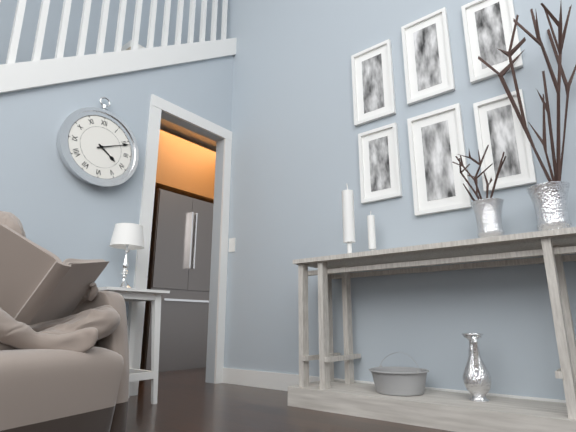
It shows 4:11
